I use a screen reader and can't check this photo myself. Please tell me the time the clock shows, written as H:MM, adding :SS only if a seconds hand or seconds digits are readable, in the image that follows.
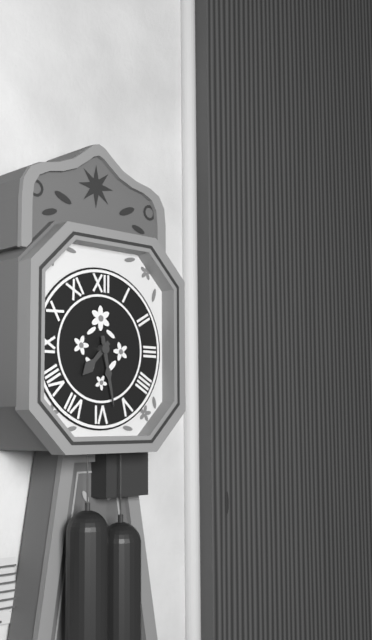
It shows 7:28
